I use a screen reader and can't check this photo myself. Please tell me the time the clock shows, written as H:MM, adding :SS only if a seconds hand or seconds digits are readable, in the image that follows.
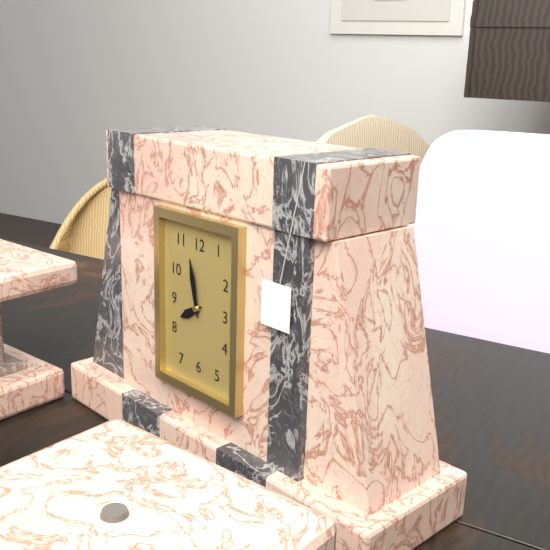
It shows 7:58
